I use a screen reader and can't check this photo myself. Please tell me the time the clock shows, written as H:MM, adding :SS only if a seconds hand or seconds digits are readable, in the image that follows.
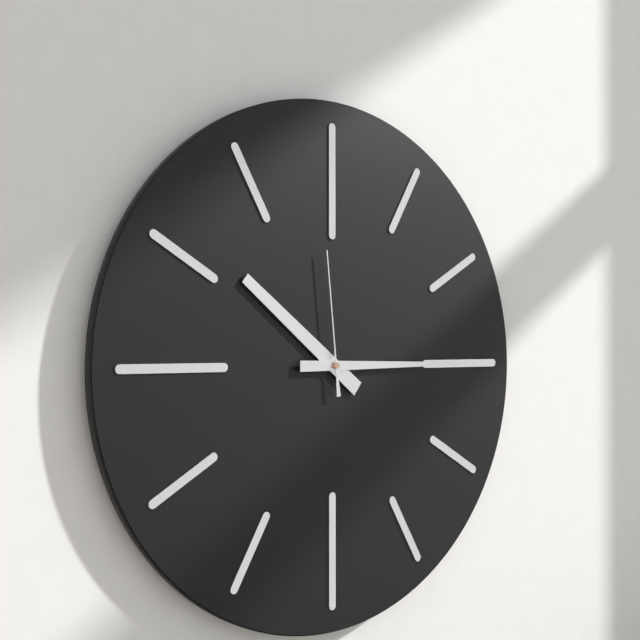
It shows 10:15:59
